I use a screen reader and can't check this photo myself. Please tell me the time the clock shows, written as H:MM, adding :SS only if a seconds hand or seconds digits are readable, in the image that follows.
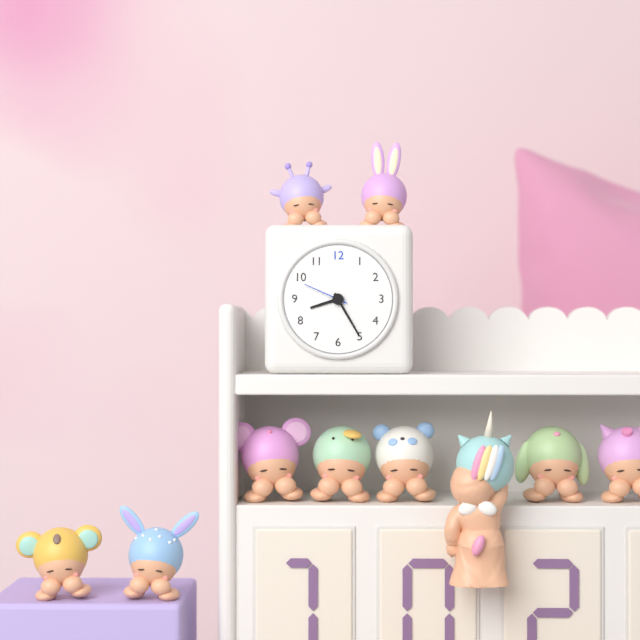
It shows 8:25
